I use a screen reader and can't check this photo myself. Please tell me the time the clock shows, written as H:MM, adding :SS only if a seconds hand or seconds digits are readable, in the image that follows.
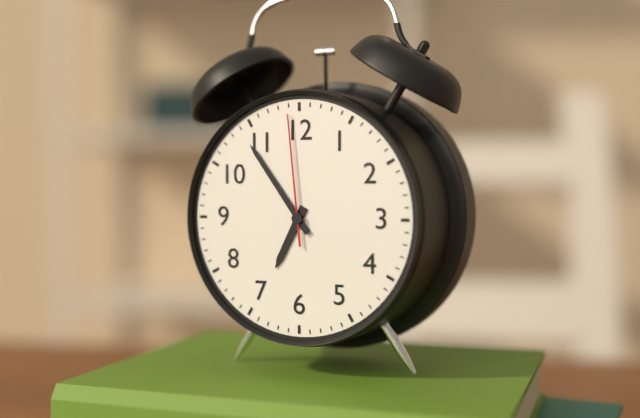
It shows 6:54:59
